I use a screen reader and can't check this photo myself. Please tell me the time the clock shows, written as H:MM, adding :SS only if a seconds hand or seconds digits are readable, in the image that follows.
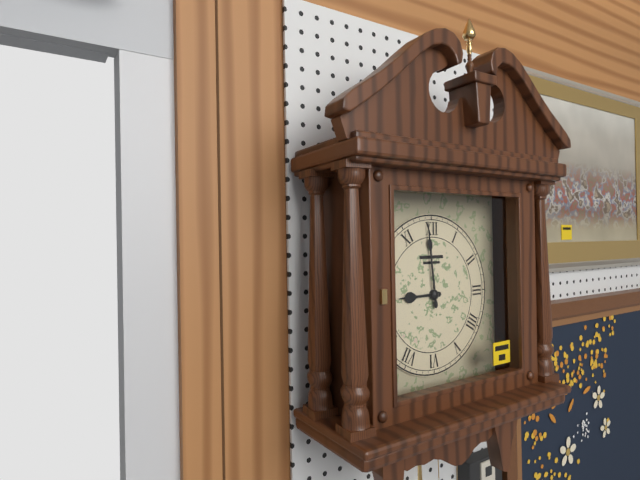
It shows 8:59
